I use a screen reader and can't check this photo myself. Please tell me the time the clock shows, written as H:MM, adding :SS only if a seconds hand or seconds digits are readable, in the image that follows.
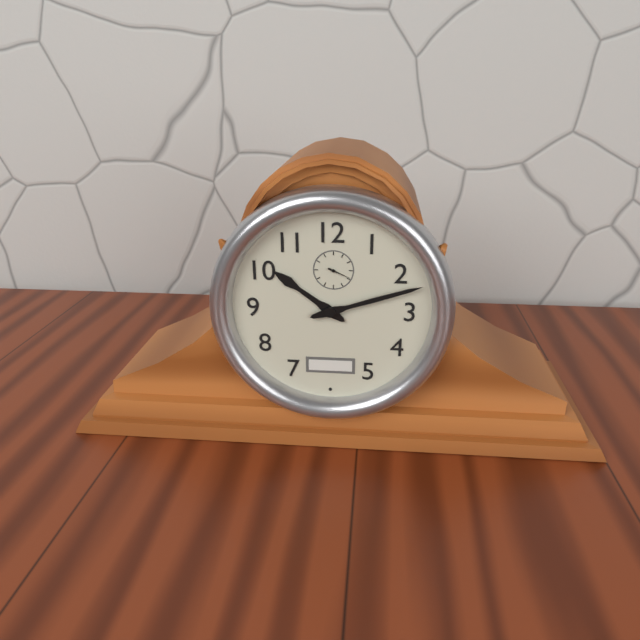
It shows 10:12
